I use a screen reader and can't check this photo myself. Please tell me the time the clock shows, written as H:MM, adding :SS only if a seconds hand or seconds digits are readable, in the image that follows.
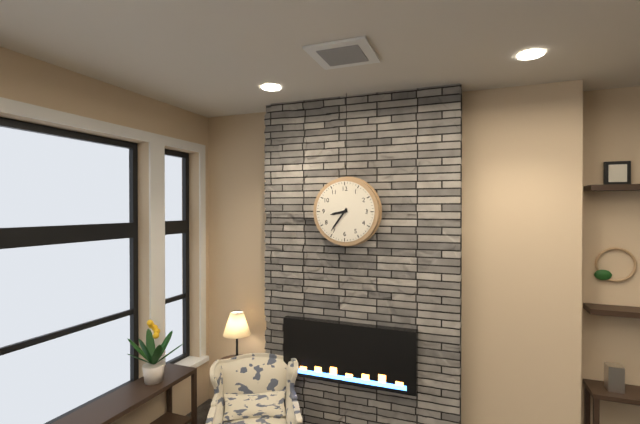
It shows 8:36
